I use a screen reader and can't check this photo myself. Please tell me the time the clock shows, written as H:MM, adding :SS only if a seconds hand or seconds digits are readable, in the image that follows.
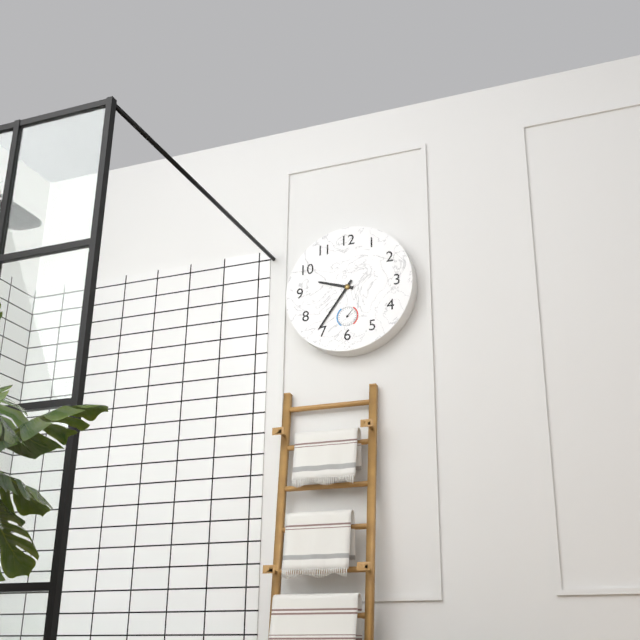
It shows 9:36
